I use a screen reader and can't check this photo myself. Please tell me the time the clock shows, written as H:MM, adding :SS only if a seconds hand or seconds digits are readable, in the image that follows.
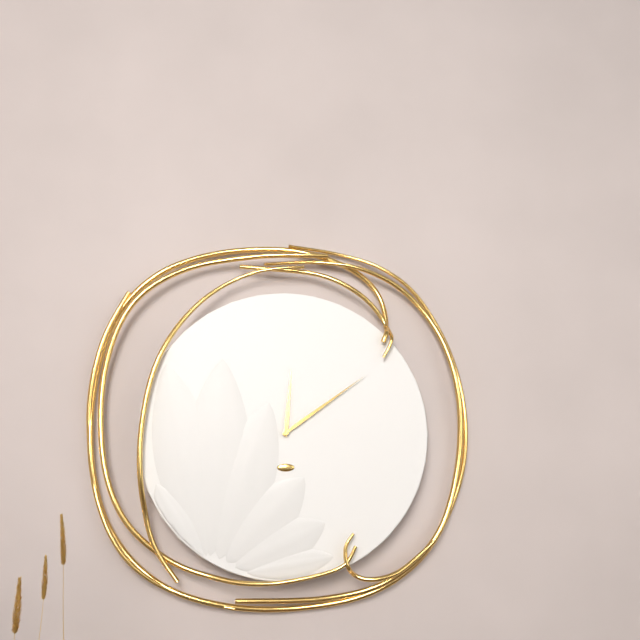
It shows 12:09
